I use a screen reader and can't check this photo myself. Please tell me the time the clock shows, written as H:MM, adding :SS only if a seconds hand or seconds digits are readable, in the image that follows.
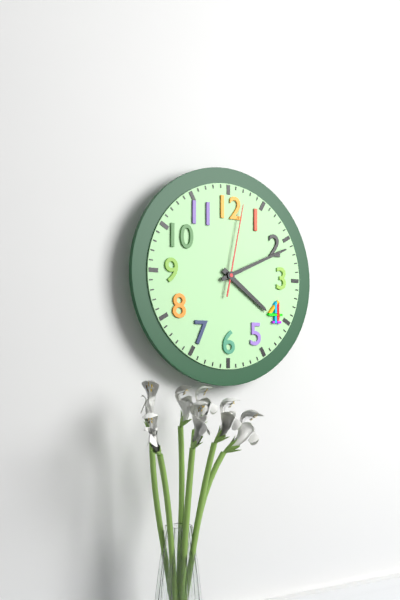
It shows 4:11:02
